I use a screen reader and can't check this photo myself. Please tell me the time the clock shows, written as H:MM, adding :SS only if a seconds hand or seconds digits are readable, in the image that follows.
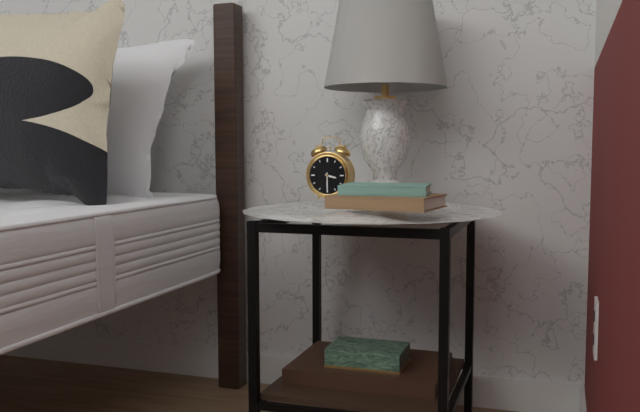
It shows 3:30
